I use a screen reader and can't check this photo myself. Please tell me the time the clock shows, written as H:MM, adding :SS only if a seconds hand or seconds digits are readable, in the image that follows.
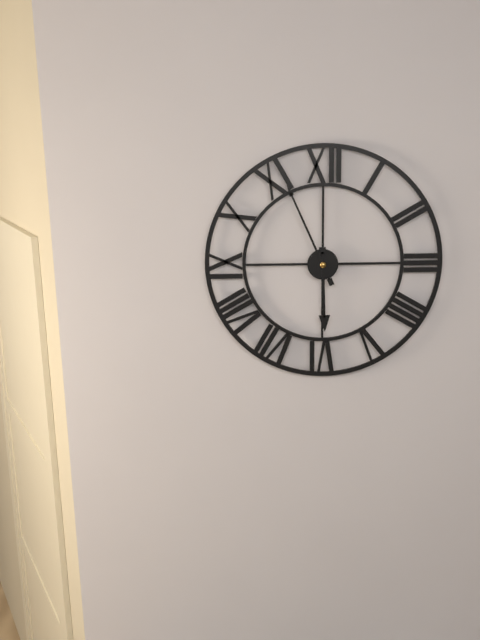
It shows 5:56
